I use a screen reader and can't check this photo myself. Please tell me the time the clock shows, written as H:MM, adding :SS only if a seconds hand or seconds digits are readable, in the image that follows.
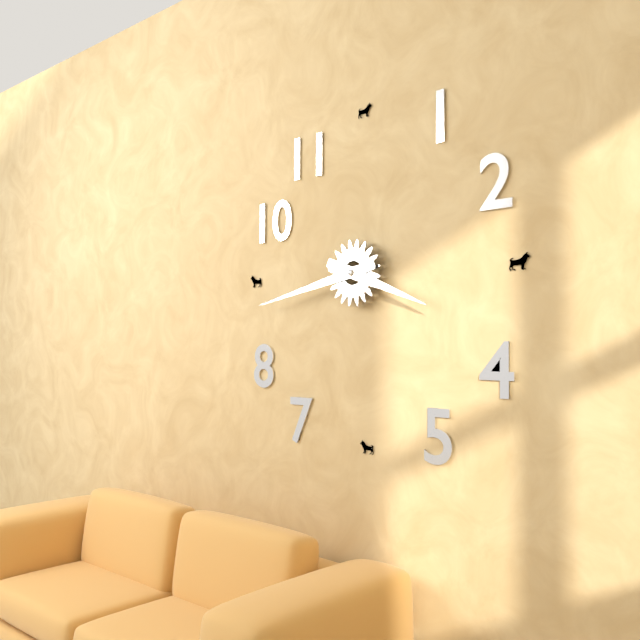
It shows 3:43
